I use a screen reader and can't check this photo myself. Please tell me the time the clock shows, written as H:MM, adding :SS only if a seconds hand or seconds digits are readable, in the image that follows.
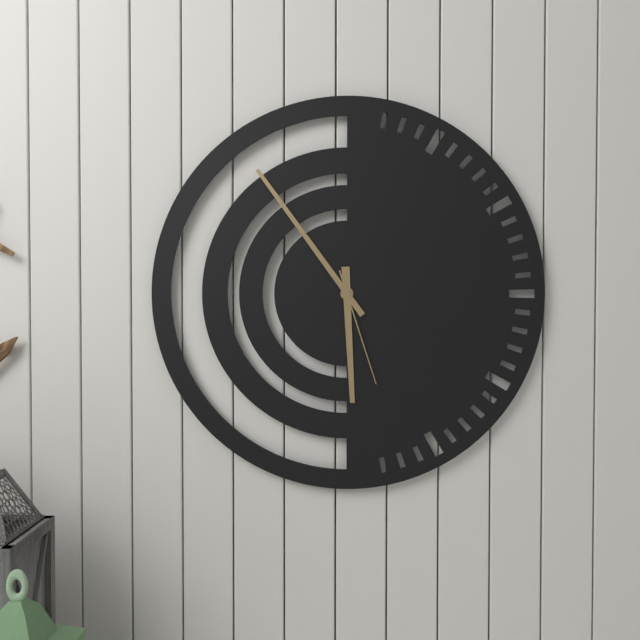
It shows 5:54:27
